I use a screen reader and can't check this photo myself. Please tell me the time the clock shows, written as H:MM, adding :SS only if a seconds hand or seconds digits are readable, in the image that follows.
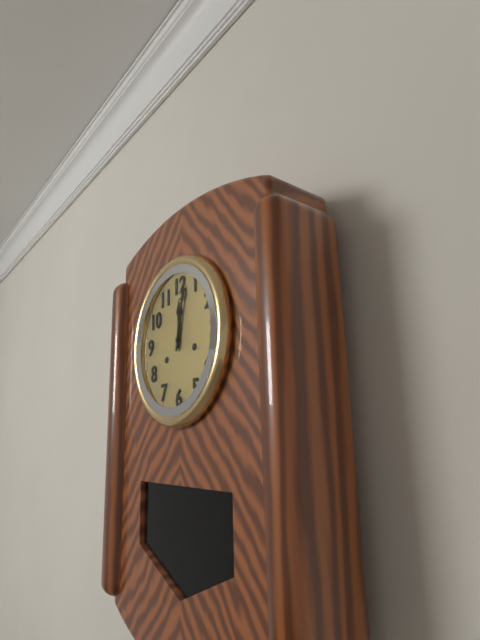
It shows 12:02
